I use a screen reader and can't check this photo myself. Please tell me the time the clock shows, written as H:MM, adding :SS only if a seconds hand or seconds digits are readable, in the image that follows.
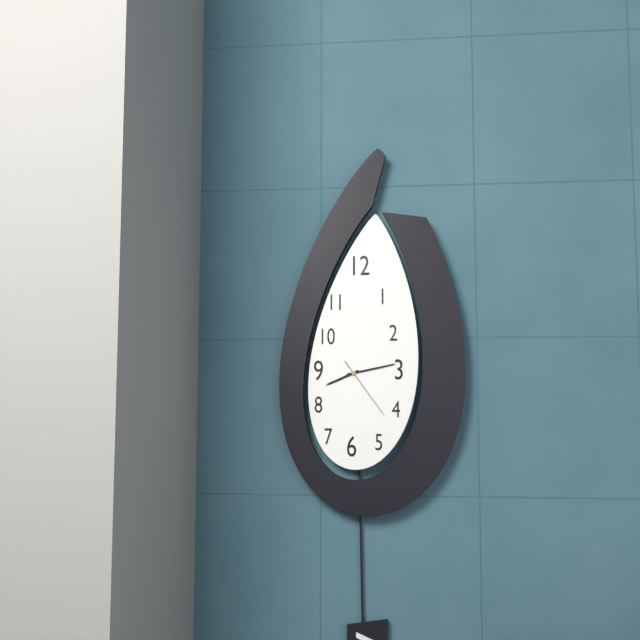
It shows 8:13:24
